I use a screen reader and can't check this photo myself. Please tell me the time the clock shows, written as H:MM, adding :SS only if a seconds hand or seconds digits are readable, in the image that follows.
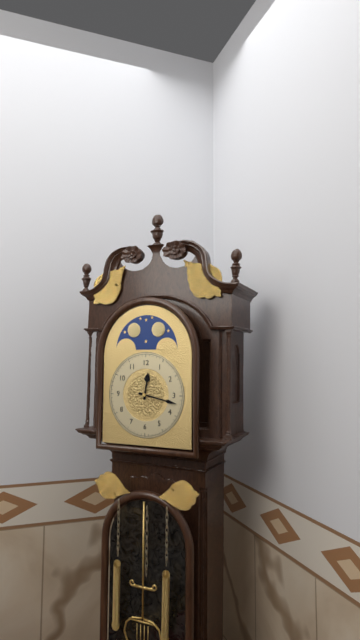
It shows 12:17
